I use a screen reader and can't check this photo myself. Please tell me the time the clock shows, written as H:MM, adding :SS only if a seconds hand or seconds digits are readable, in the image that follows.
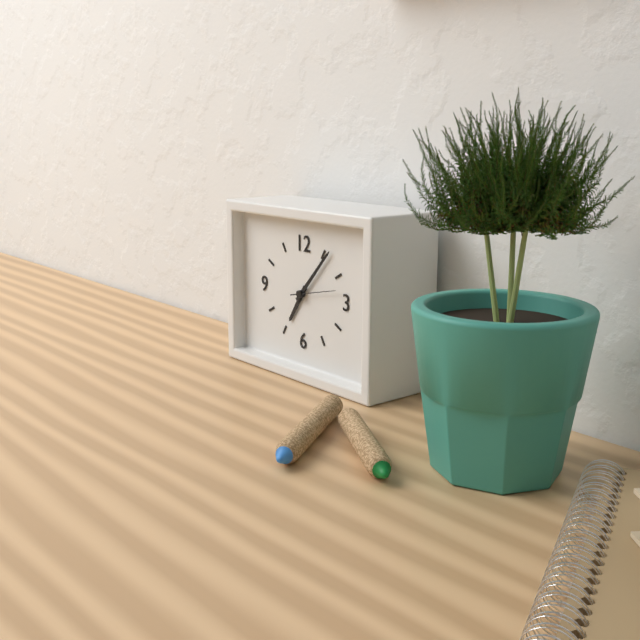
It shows 7:07
